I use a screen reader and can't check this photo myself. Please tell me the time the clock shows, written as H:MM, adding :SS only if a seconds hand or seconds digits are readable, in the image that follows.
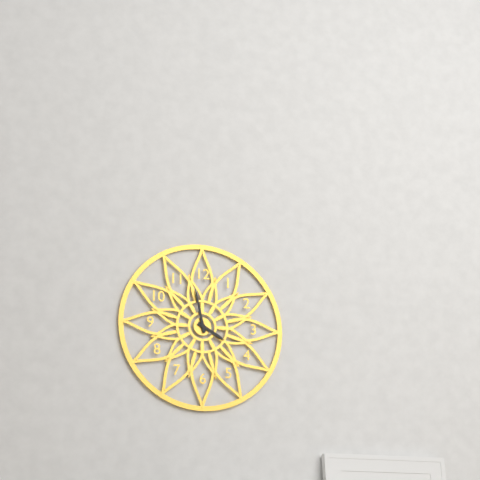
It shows 3:58
